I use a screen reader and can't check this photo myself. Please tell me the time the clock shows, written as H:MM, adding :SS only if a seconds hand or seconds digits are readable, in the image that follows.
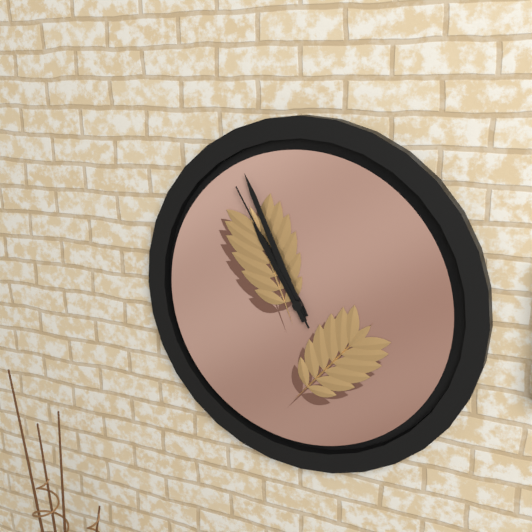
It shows 10:56:55
